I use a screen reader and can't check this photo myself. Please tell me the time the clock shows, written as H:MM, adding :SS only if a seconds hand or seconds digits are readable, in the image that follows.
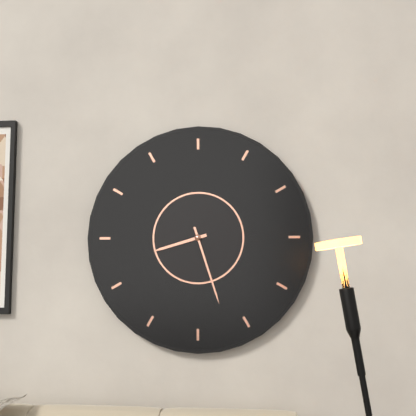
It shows 8:27
